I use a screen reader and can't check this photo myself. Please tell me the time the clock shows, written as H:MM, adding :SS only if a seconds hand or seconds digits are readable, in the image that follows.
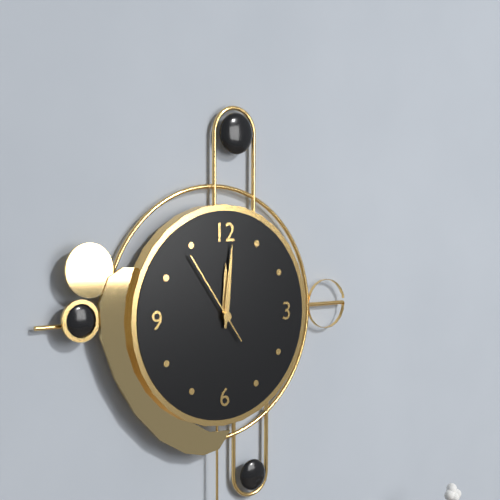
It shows 12:01:54
